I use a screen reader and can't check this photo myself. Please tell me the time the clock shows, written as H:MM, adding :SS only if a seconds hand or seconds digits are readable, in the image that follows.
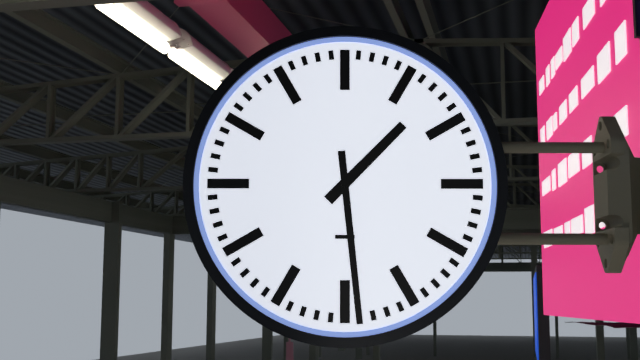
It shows 1:29
